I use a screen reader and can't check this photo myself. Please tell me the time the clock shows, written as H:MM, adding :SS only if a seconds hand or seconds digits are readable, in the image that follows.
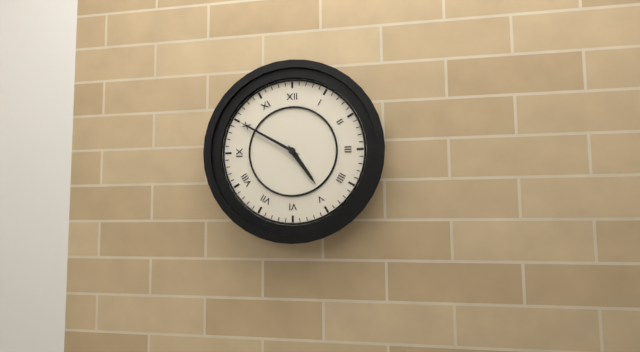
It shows 4:50
